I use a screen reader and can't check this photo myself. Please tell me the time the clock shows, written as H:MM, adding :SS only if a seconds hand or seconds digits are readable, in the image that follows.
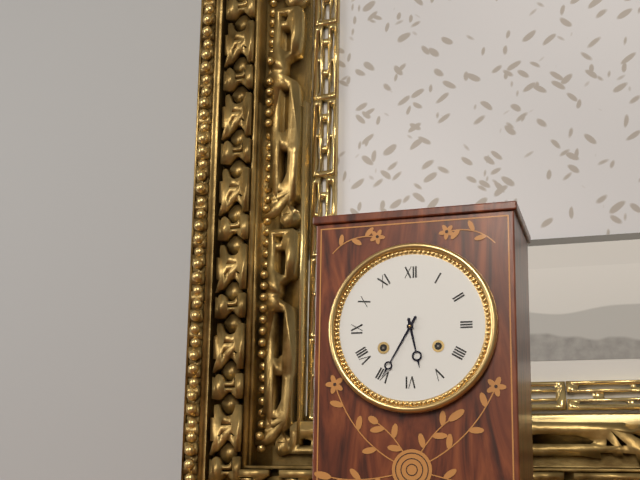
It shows 5:35
